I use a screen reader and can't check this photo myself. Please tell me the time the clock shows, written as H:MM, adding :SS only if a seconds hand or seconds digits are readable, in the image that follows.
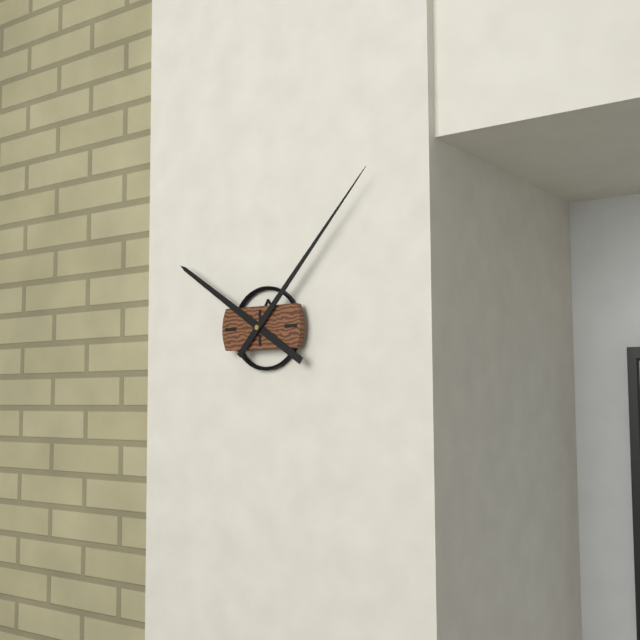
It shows 10:07
